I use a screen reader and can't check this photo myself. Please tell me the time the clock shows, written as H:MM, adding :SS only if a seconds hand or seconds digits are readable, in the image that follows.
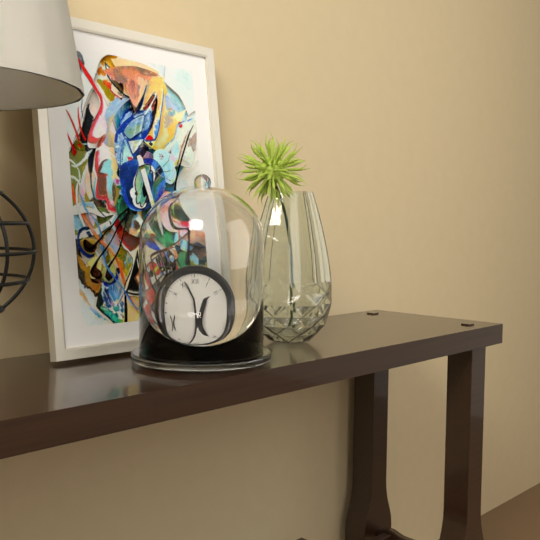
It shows 1:56
